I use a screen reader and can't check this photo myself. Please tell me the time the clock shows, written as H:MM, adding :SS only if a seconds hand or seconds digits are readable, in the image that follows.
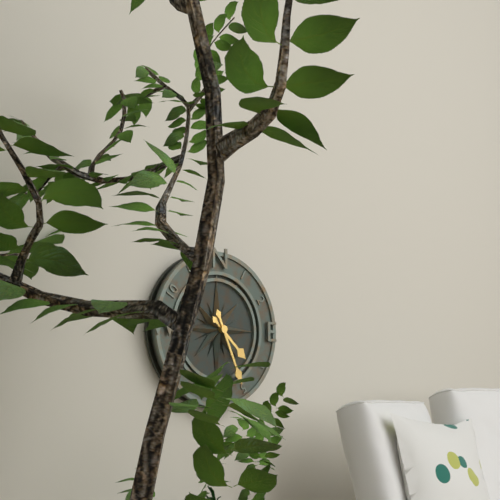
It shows 4:26
